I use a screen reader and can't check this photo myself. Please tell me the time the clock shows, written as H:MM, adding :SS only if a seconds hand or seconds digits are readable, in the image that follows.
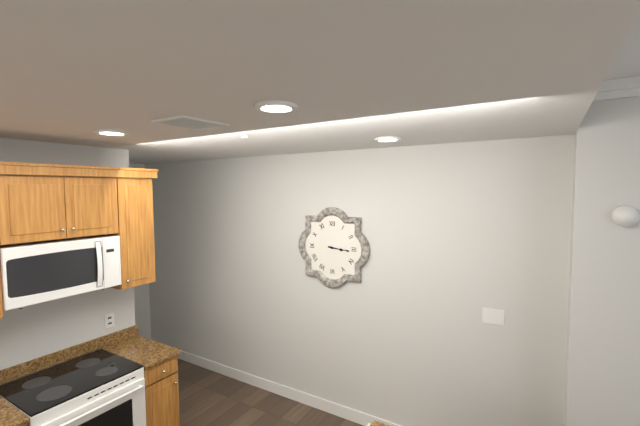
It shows 3:16
